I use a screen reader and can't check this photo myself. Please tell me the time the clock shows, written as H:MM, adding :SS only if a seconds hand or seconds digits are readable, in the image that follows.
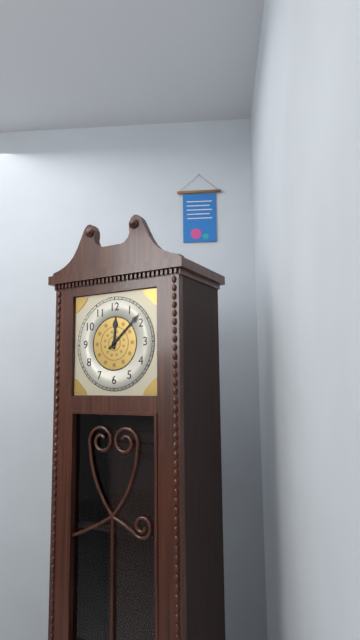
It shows 12:08
